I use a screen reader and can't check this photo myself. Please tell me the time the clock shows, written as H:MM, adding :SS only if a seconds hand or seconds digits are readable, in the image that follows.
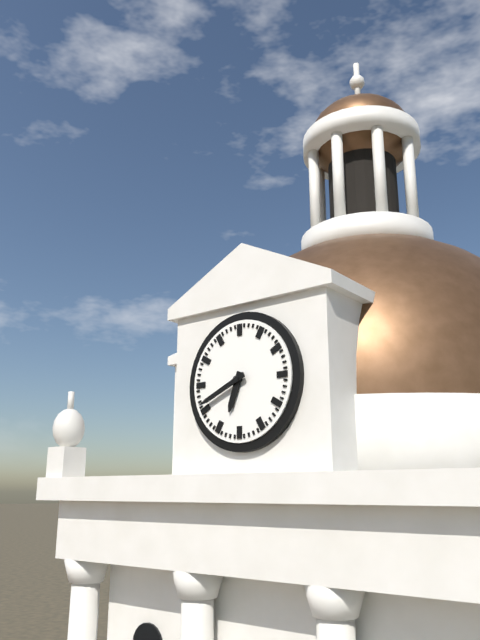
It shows 6:41
